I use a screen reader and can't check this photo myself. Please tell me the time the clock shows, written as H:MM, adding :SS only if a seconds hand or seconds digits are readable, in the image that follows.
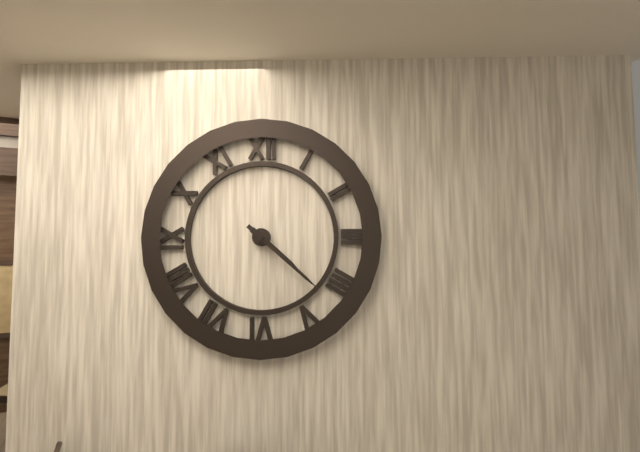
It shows 4:22
